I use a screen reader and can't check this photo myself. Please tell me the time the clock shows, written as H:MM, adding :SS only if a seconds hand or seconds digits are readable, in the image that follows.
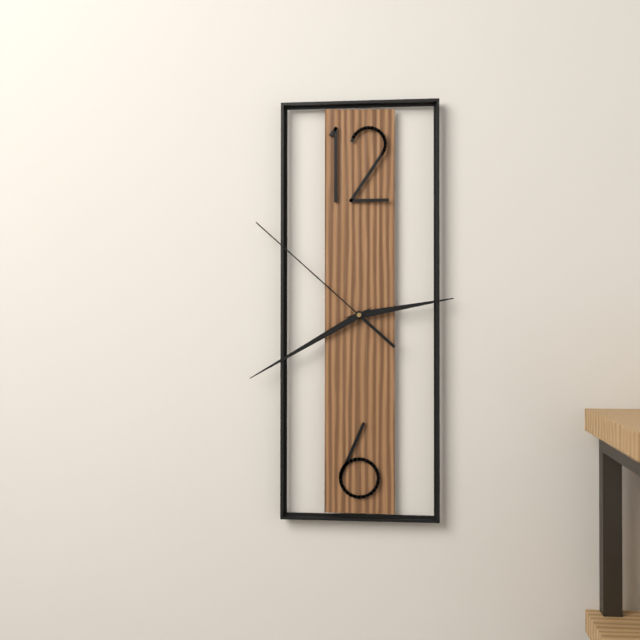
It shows 2:40:52
